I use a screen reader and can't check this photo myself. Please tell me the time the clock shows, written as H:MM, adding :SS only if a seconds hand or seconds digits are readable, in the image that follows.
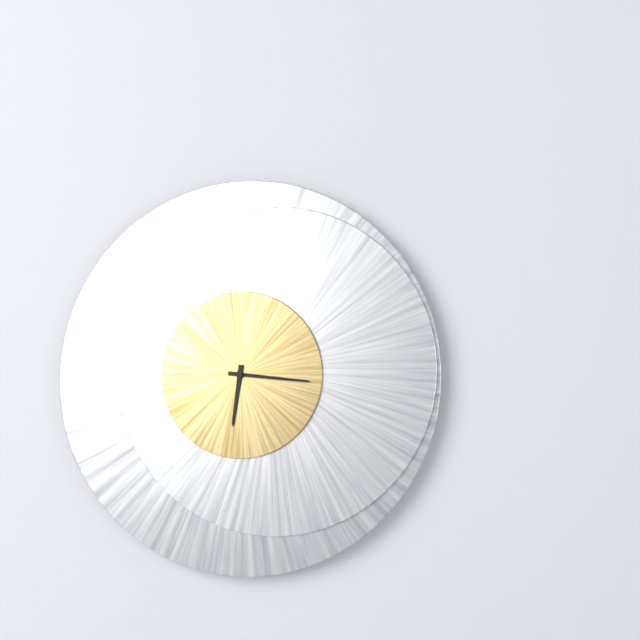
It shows 6:16
